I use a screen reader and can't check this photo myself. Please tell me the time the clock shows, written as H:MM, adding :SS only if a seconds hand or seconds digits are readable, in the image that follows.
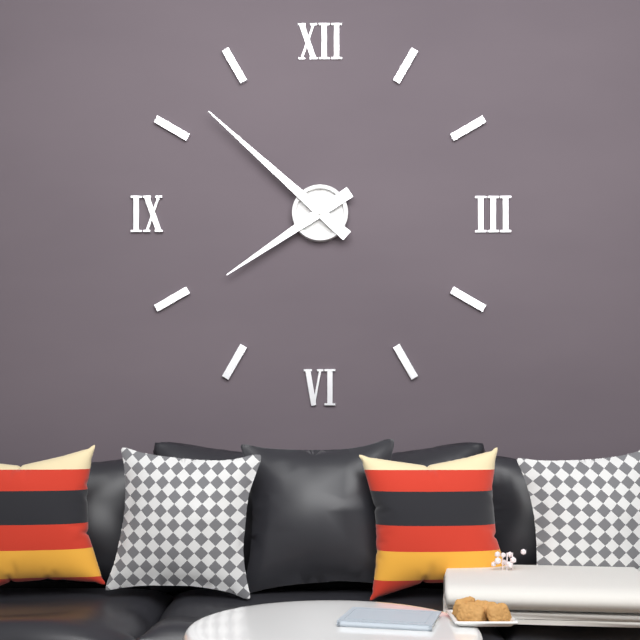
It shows 7:52
